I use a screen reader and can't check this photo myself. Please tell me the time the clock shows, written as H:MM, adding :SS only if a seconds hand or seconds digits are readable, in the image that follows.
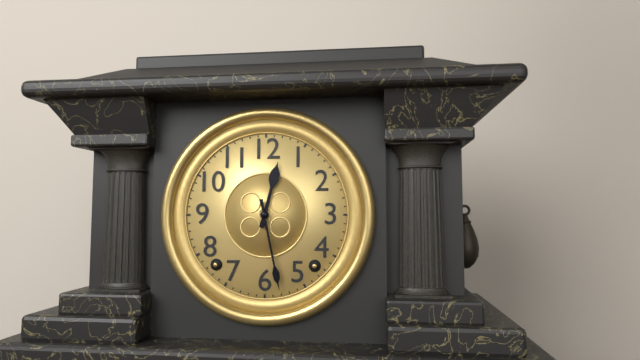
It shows 12:28
